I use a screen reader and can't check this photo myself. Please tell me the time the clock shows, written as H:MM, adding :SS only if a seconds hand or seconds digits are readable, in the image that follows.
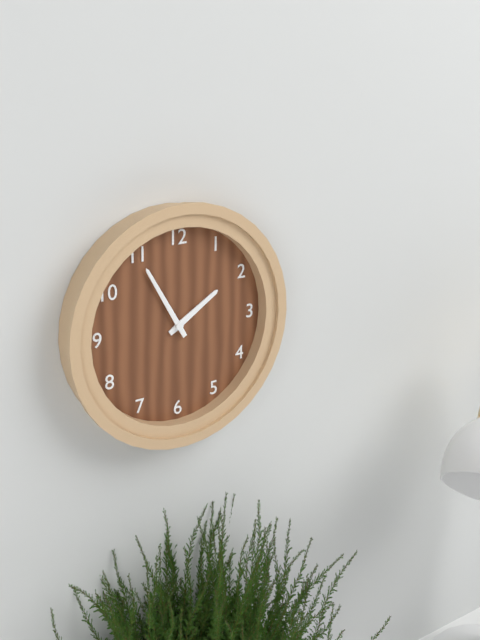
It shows 1:55
